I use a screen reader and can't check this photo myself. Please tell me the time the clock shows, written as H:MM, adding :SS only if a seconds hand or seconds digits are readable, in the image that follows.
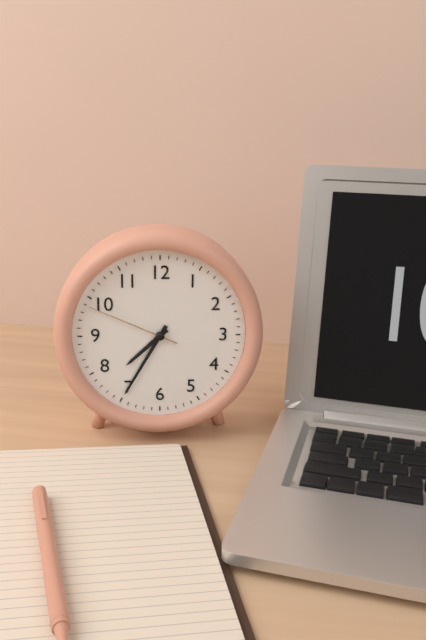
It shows 7:35:49
